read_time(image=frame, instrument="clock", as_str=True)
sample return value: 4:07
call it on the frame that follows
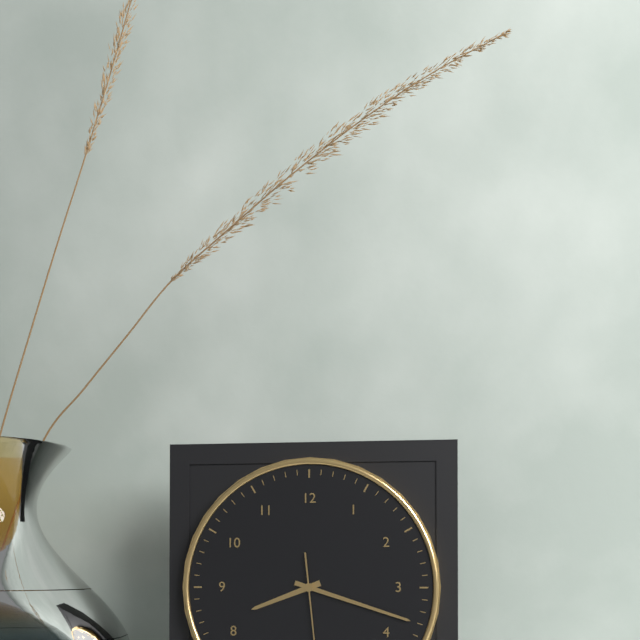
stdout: 8:18
